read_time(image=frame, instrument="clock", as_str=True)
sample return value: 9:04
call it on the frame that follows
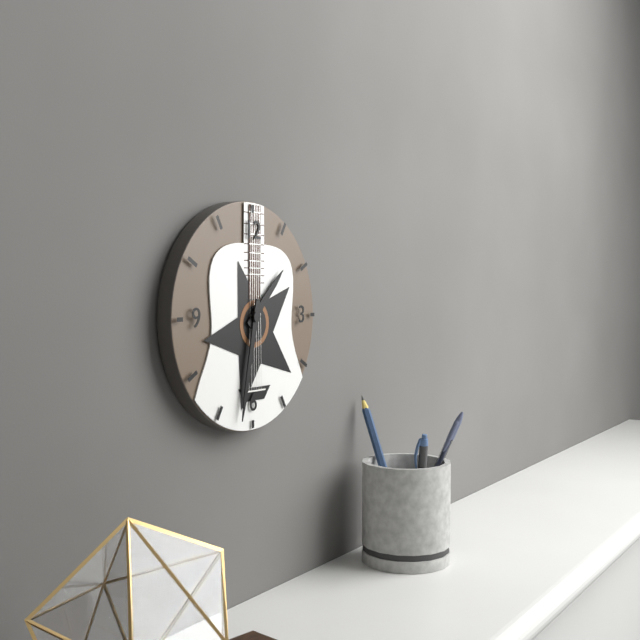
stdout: 1:32
